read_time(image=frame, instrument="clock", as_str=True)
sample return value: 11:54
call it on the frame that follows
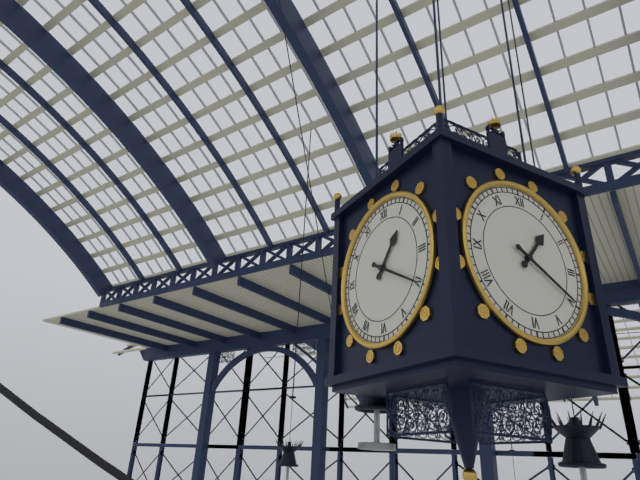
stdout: 1:20
